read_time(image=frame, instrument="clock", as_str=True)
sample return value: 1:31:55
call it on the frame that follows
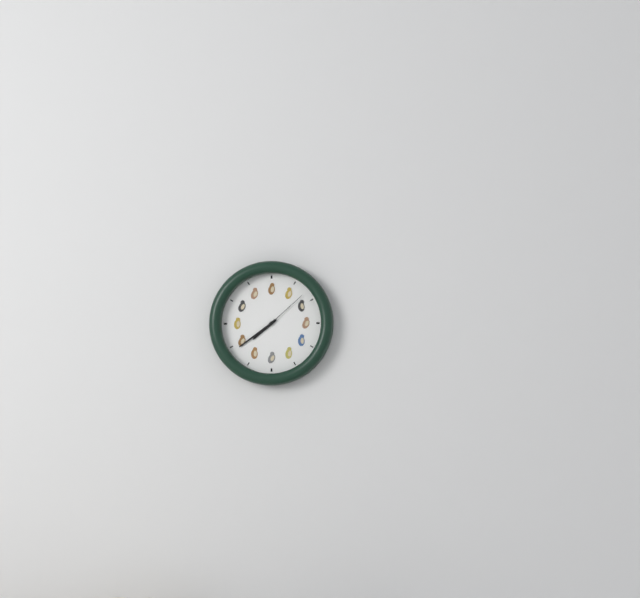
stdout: 7:39:08
